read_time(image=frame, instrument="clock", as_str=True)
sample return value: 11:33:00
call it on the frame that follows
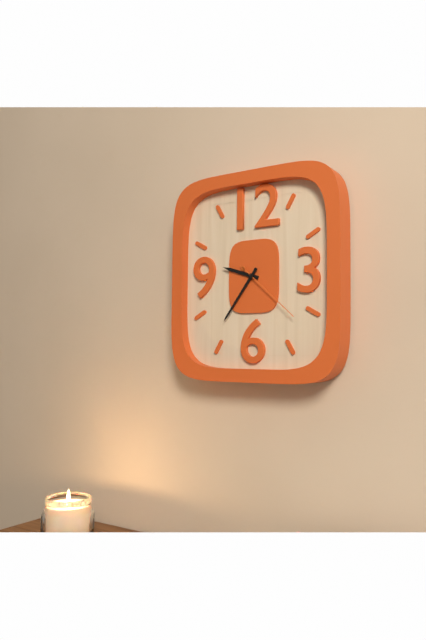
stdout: 9:36:22
